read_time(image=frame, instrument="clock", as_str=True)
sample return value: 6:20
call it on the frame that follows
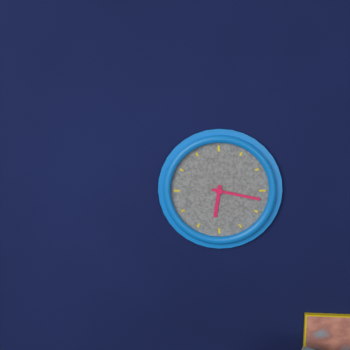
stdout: 6:17
